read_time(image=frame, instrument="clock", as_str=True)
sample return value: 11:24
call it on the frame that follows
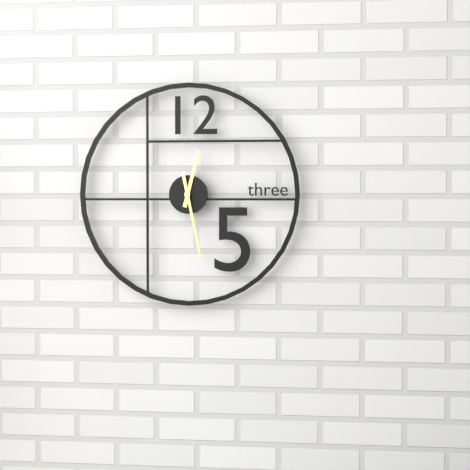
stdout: 12:28
